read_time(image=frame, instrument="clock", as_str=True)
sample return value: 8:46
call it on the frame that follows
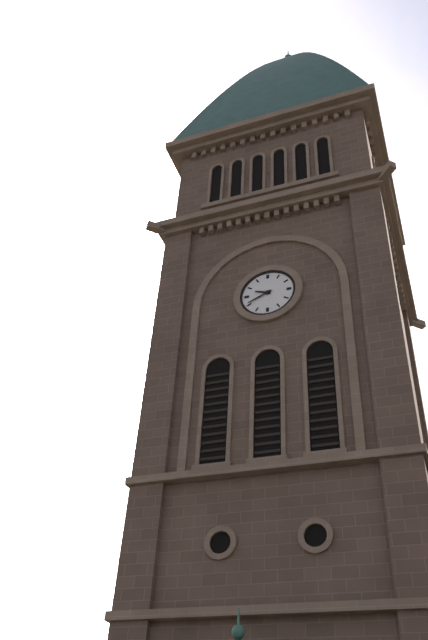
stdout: 9:41
